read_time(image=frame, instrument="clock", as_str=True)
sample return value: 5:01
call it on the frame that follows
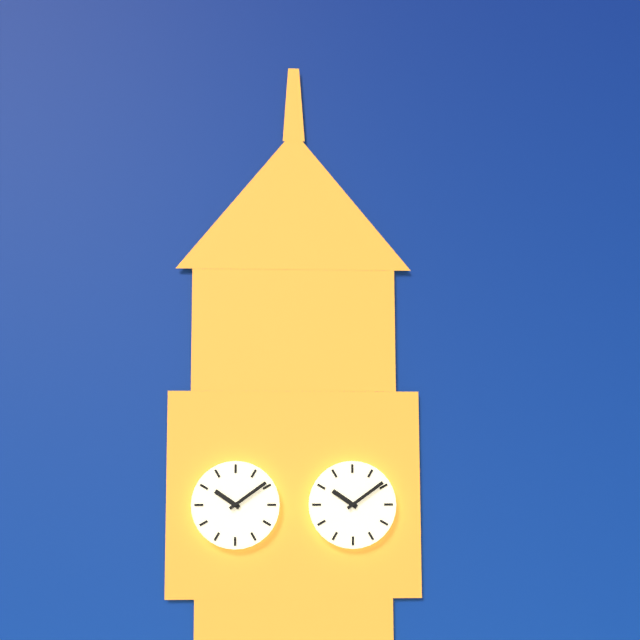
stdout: 10:09
